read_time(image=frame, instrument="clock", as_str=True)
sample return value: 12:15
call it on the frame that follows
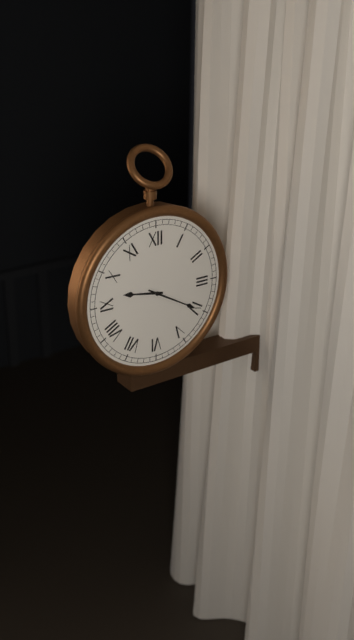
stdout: 9:20
